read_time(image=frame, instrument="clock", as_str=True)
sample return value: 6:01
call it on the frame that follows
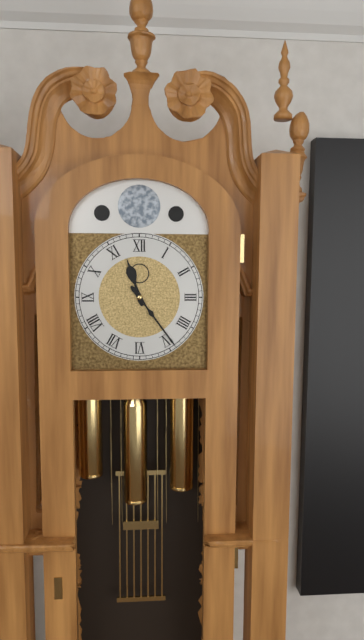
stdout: 11:24
